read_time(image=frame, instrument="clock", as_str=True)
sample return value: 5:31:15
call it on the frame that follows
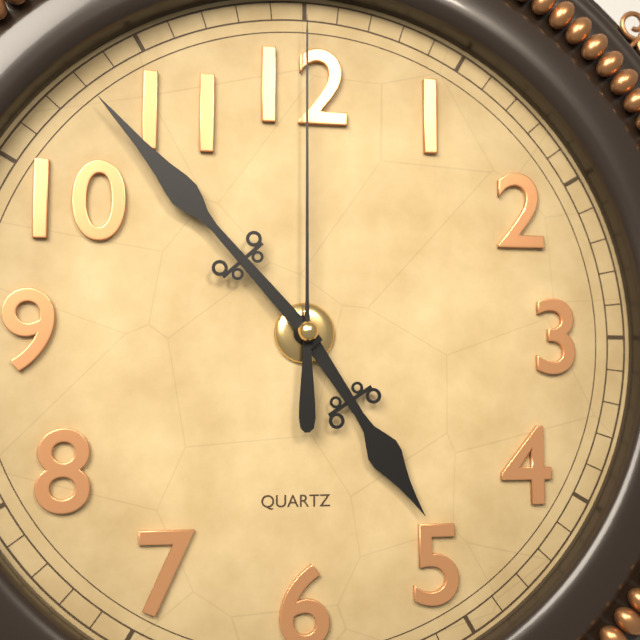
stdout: 4:53:00
